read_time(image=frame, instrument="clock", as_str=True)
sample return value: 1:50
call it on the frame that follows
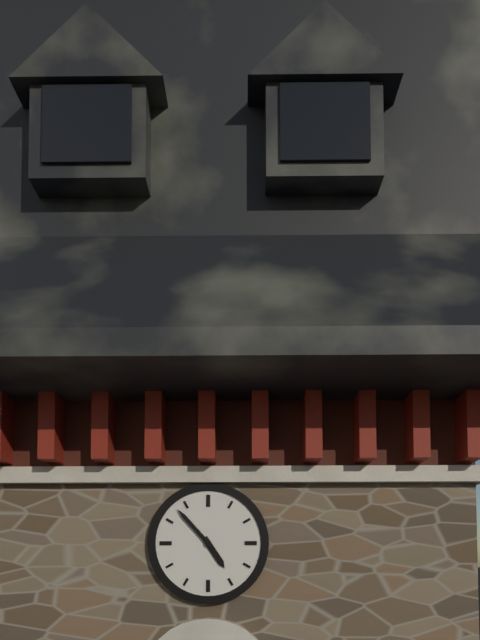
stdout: 4:53
